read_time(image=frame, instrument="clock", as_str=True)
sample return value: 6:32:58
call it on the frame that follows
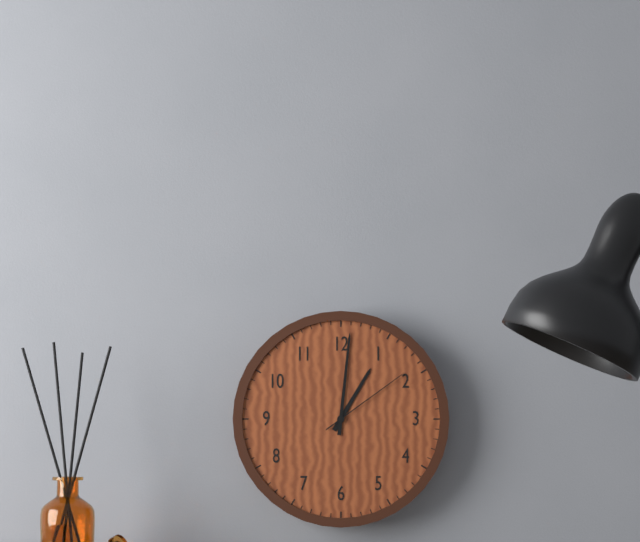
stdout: 1:01:09
